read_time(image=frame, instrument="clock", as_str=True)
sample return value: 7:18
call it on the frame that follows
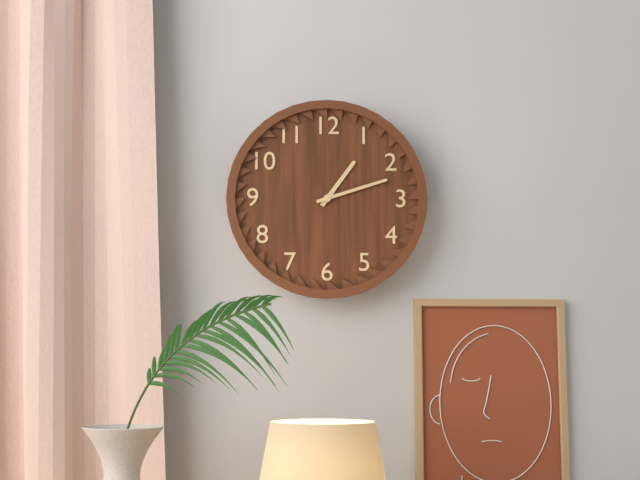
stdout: 1:12
